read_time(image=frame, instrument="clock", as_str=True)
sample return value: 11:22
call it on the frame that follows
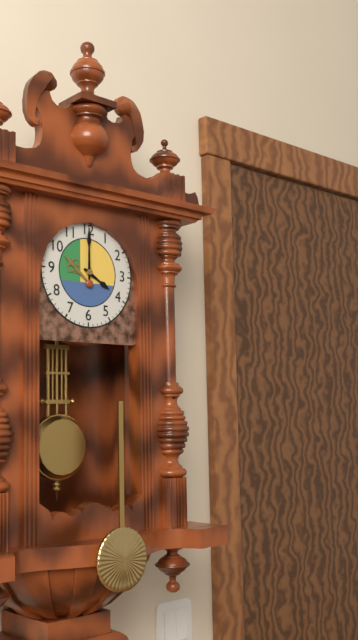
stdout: 4:00
